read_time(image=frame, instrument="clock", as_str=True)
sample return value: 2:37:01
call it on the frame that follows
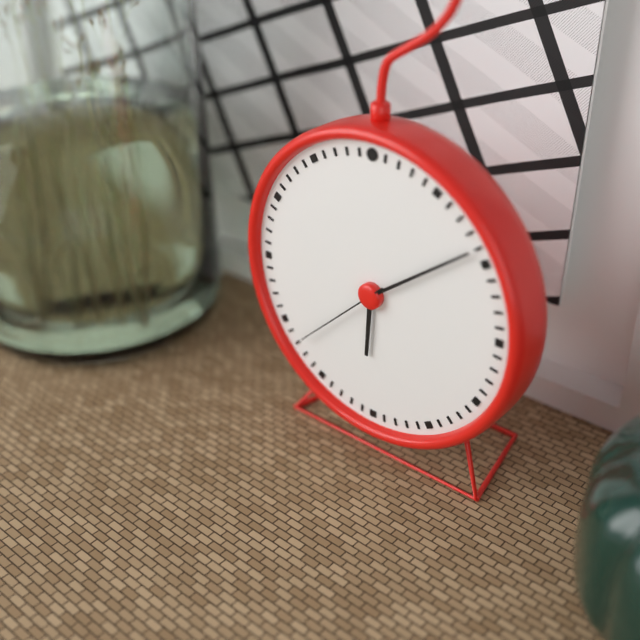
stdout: 6:09:38
